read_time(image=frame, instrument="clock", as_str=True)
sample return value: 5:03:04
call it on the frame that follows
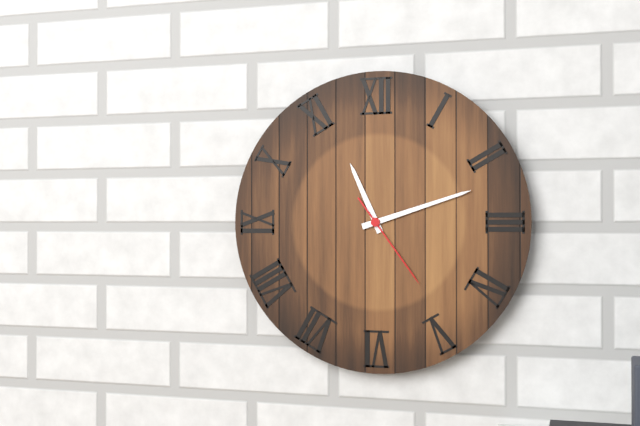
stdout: 11:12:24
